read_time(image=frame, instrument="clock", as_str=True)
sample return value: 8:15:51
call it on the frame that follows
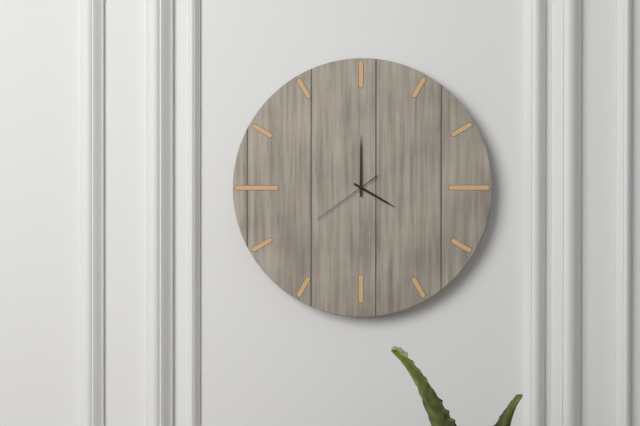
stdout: 4:00:39
